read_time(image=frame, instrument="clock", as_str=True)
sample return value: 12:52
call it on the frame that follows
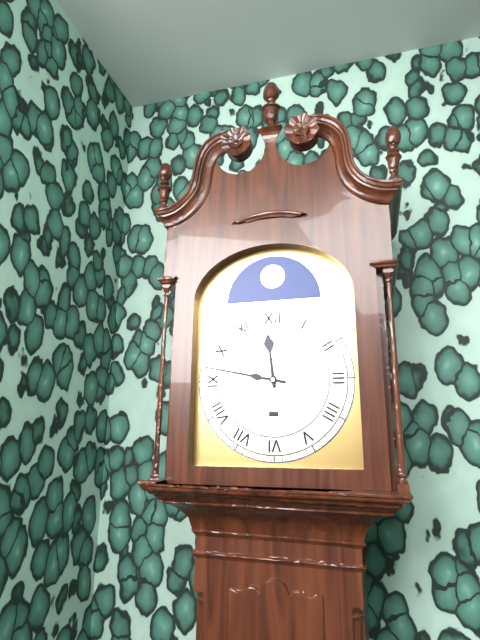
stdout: 11:47
